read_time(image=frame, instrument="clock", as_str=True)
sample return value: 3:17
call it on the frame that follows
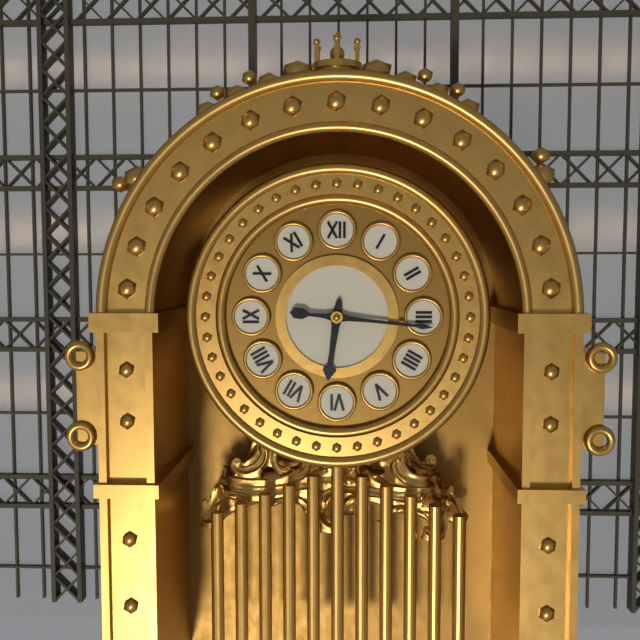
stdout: 6:16
